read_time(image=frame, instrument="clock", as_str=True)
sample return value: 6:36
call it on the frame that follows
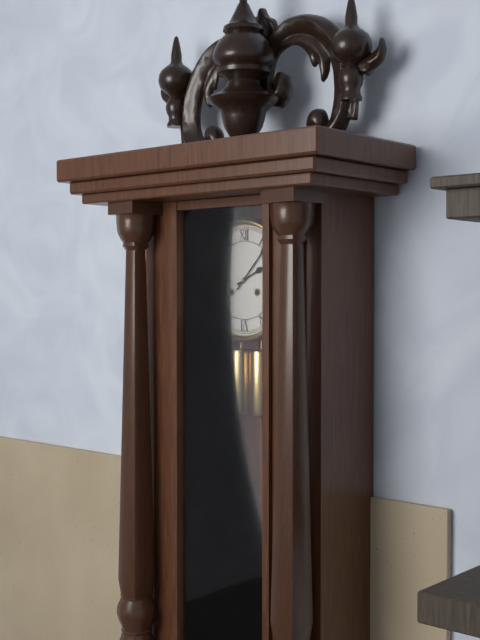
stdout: 2:07
